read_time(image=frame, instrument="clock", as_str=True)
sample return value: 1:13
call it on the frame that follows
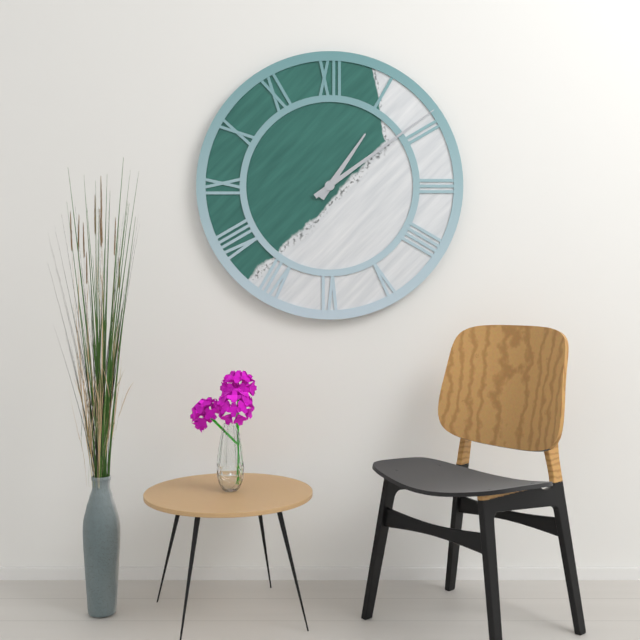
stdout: 1:09
